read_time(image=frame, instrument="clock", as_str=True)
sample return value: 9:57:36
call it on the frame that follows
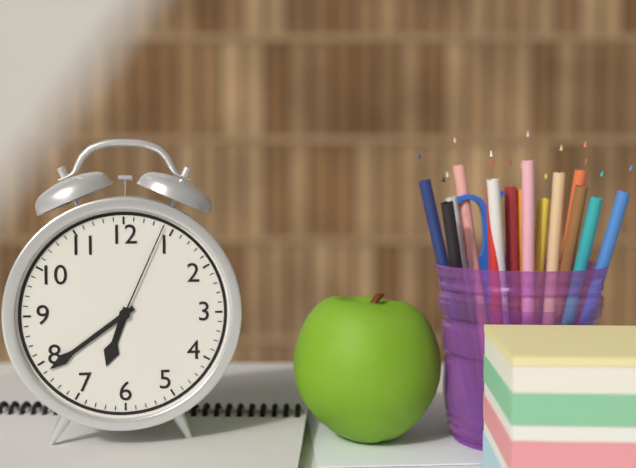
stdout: 6:39:04
